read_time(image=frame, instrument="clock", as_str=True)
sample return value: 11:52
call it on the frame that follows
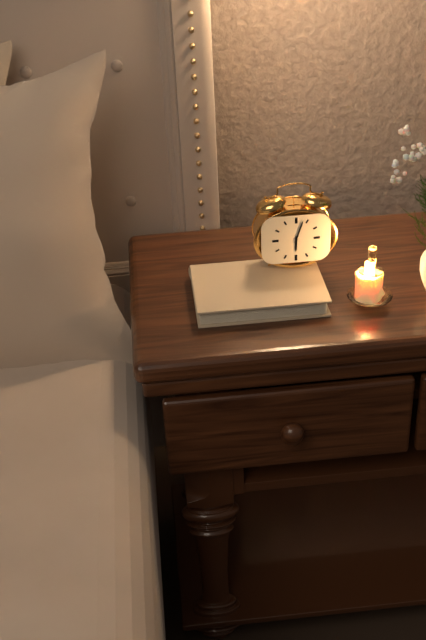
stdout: 6:03
